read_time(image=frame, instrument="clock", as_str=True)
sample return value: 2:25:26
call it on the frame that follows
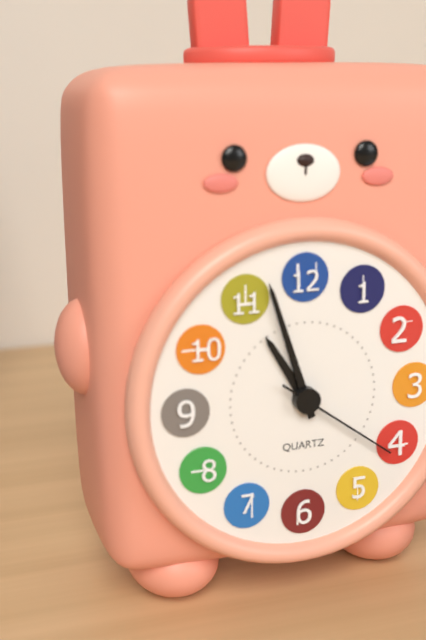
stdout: 10:57:21
